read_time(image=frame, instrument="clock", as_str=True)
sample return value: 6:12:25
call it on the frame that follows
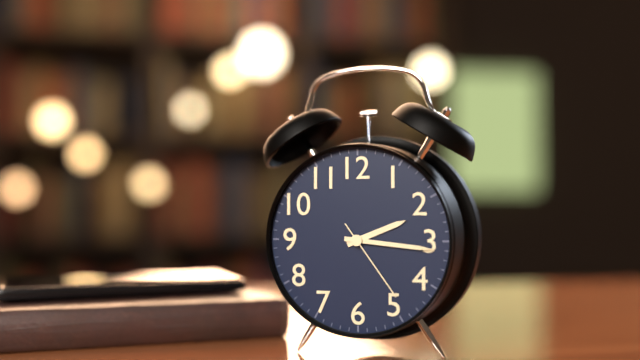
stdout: 2:16:24
